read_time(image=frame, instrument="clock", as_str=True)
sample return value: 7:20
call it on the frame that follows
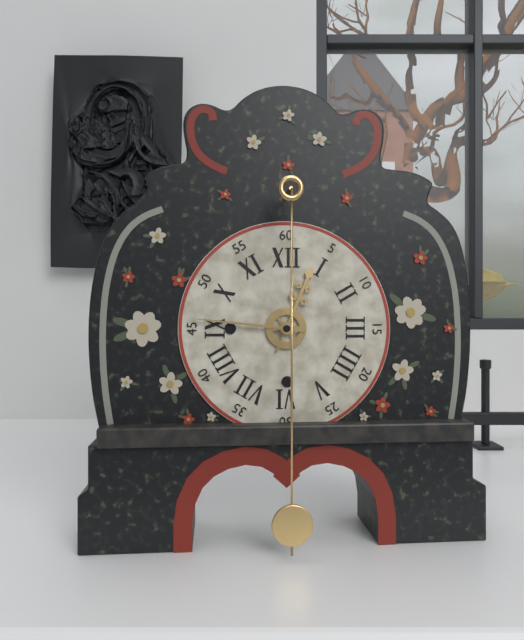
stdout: 12:46
